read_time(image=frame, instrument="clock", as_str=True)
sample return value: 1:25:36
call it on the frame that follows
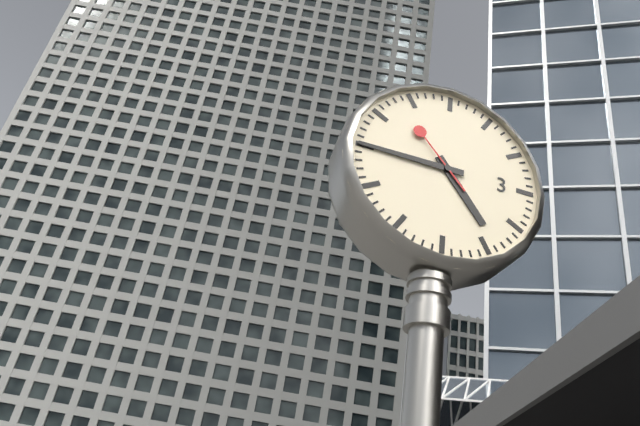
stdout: 4:45:53
